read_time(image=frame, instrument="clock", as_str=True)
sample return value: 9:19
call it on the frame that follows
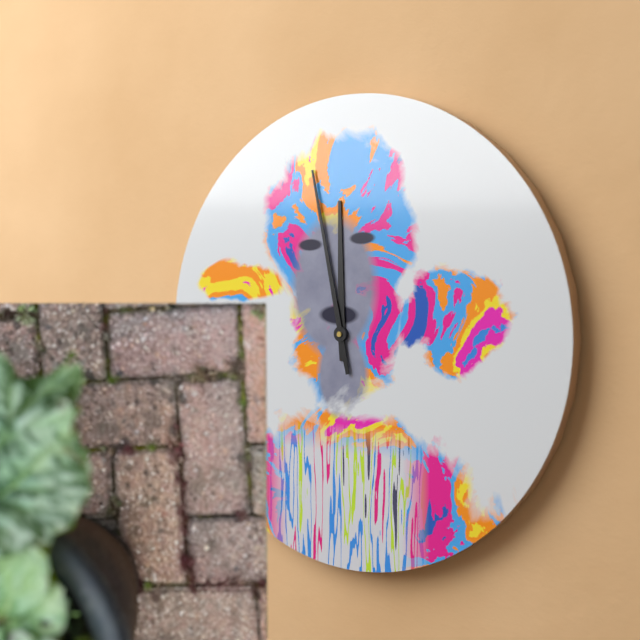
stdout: 11:58
